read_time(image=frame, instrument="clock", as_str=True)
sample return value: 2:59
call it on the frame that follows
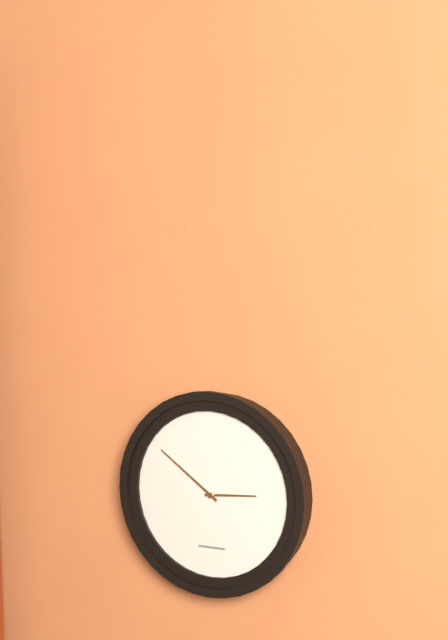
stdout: 2:51
